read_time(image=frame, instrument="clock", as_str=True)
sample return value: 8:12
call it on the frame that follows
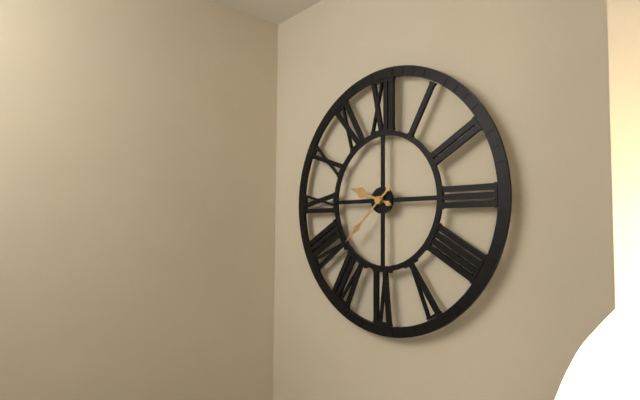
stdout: 9:38
